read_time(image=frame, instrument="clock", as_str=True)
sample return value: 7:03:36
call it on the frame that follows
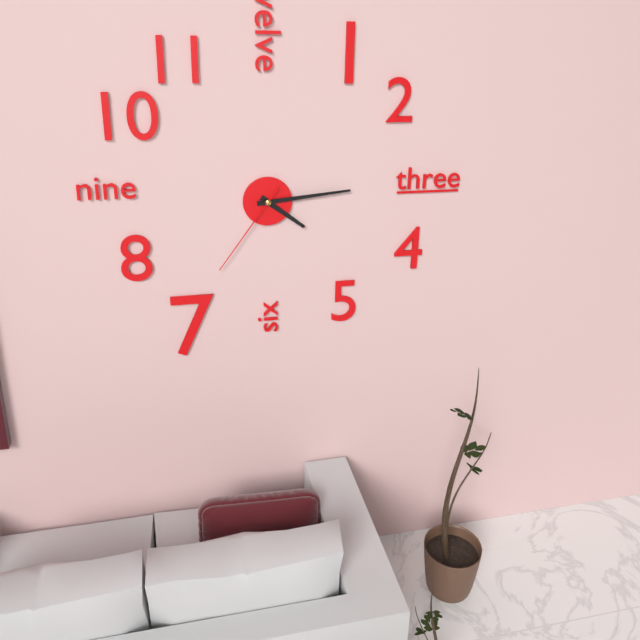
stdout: 4:14:36
